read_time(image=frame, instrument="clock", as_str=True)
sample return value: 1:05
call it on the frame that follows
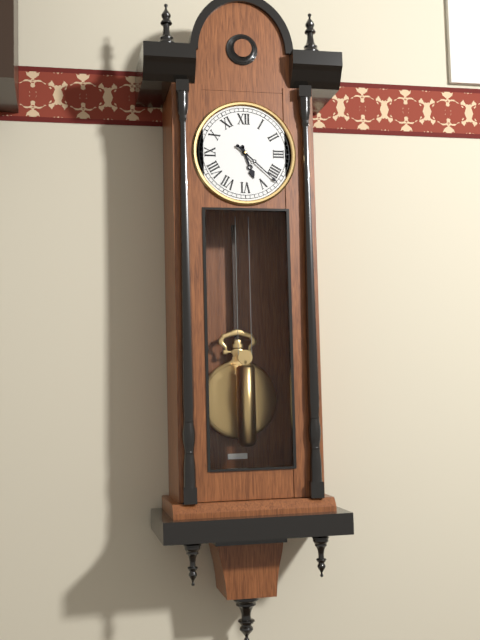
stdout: 5:22
